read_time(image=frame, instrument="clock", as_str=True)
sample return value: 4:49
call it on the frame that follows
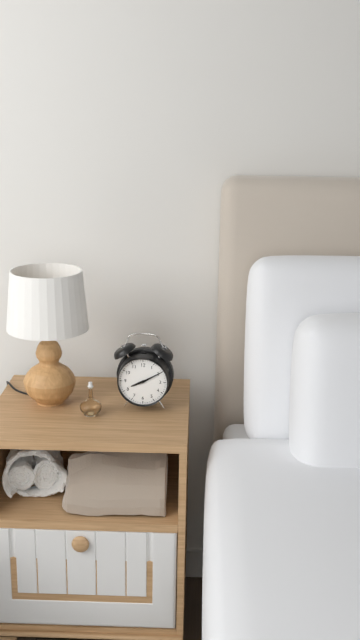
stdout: 8:10
